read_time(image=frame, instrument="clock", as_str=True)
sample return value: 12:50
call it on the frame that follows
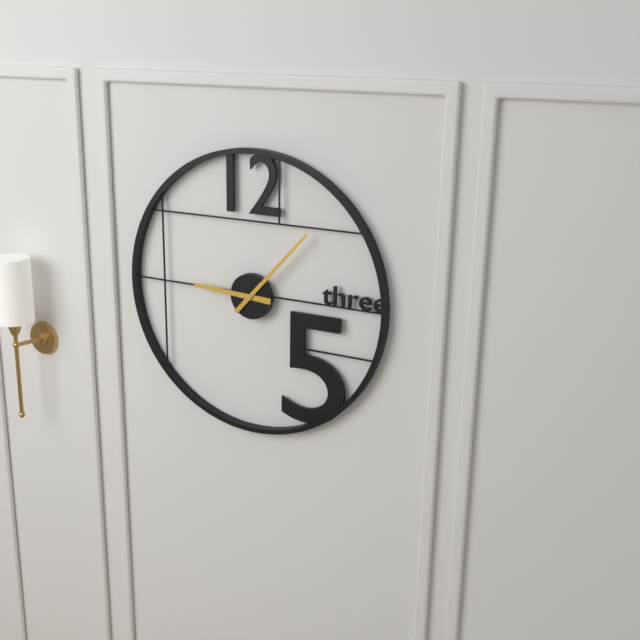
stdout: 9:07
